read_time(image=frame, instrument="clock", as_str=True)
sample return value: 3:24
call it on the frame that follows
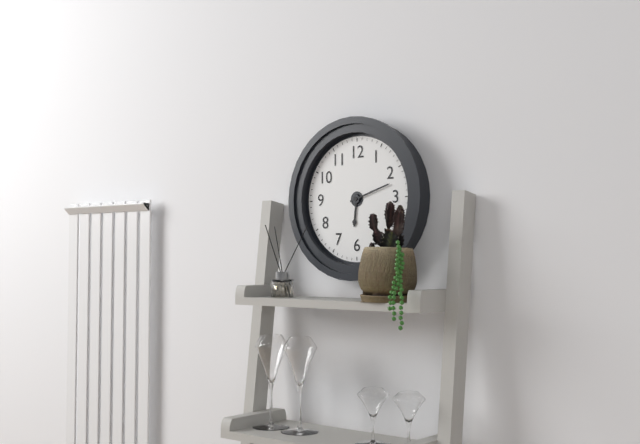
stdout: 6:12
